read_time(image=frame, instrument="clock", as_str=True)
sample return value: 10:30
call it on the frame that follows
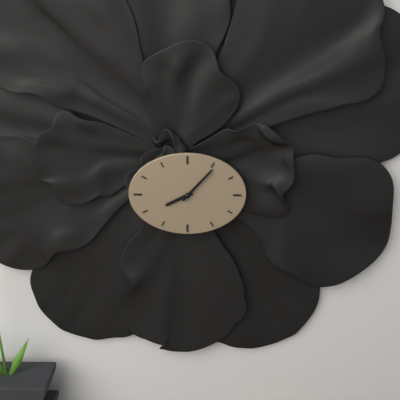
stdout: 8:07
